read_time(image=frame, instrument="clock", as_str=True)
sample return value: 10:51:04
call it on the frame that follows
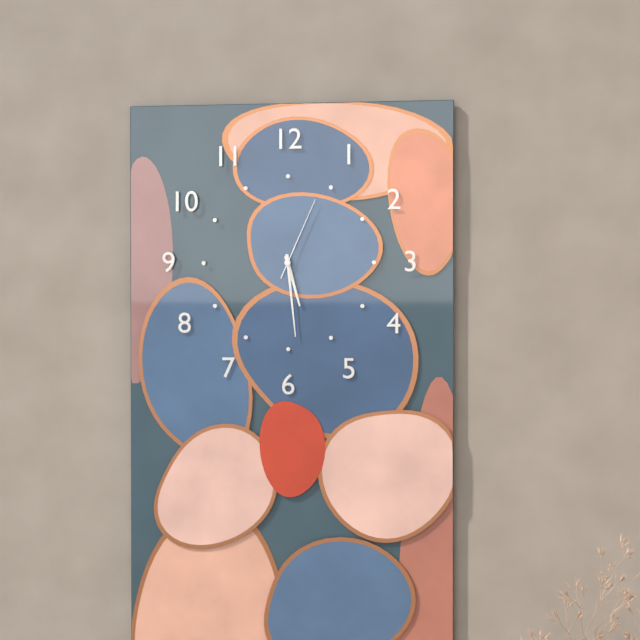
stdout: 5:29:04
